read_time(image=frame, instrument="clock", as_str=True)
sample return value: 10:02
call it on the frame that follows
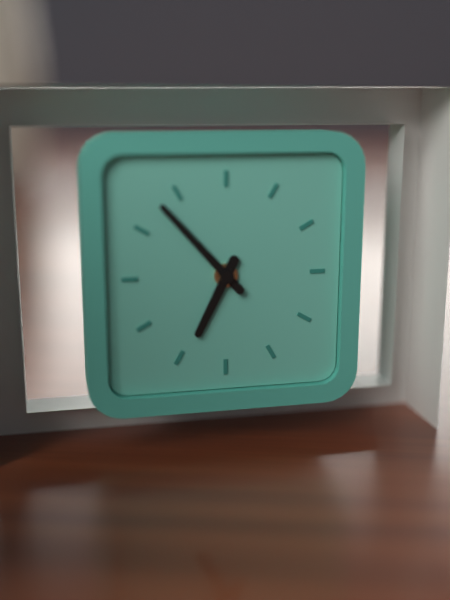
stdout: 6:53
